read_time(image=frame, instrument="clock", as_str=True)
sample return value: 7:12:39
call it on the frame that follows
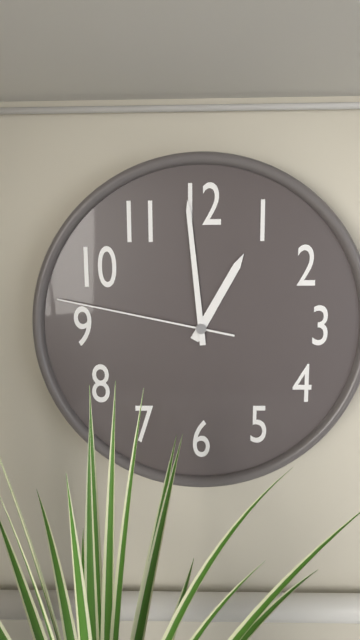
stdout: 12:59:47
